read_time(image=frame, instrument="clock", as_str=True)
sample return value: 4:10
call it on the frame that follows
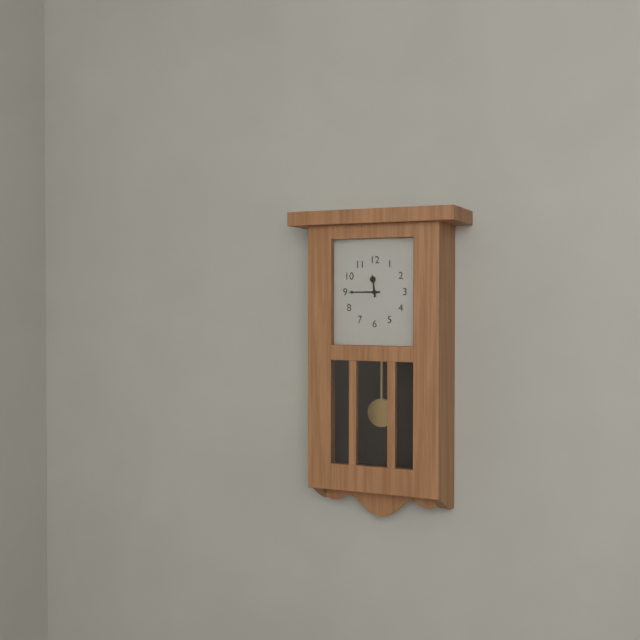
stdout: 11:45
